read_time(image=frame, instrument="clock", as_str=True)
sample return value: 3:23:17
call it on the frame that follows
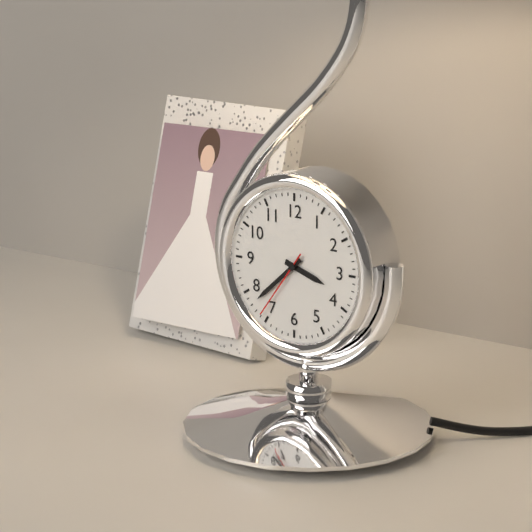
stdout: 3:38:36
